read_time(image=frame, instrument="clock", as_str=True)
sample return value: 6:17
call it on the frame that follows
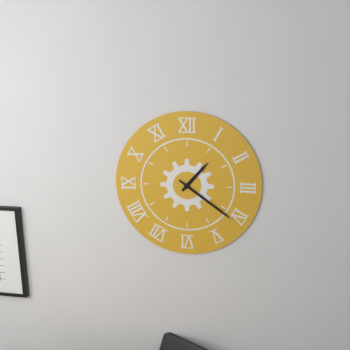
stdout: 1:21
